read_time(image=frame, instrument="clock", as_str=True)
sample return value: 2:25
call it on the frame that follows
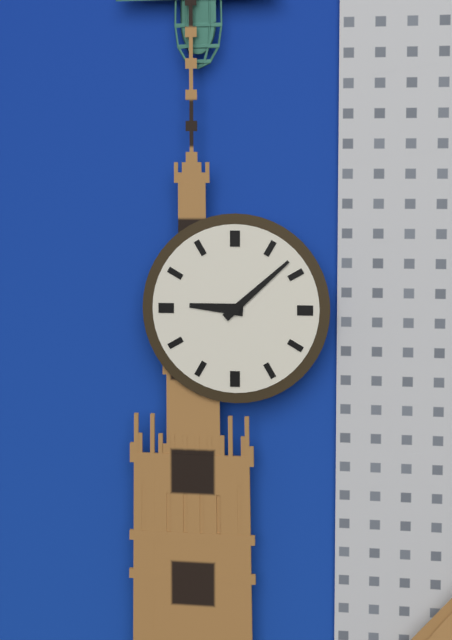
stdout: 9:08
